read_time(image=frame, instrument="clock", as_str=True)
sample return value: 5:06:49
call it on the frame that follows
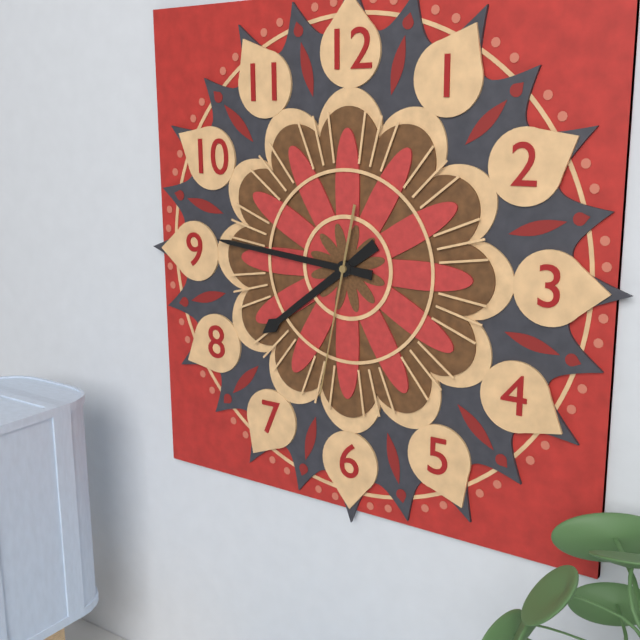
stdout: 7:46:32
